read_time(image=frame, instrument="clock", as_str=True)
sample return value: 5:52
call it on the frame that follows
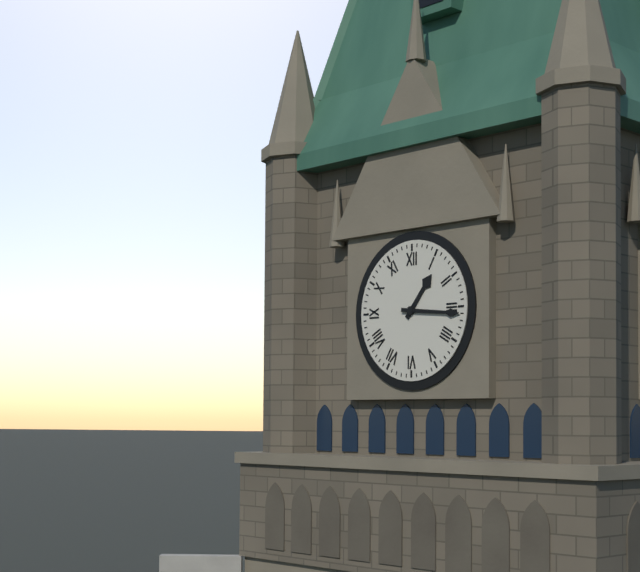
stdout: 1:16
